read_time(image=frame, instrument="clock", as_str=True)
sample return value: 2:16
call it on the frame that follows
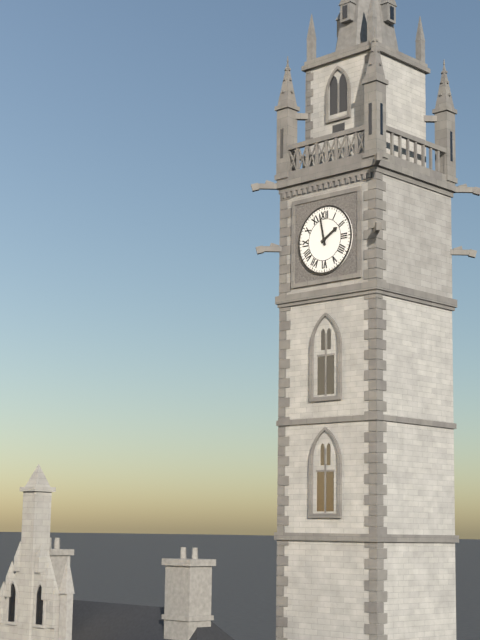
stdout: 1:58
